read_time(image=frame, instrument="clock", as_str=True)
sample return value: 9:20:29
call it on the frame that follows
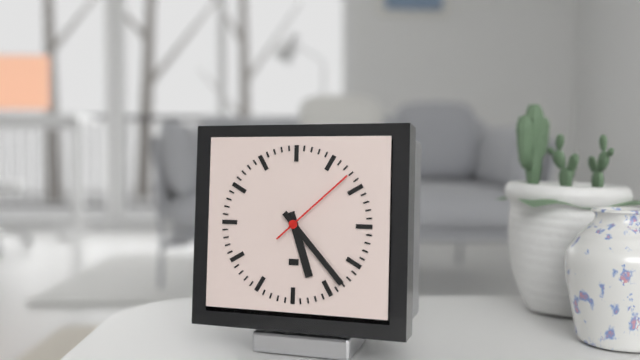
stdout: 5:23:08
